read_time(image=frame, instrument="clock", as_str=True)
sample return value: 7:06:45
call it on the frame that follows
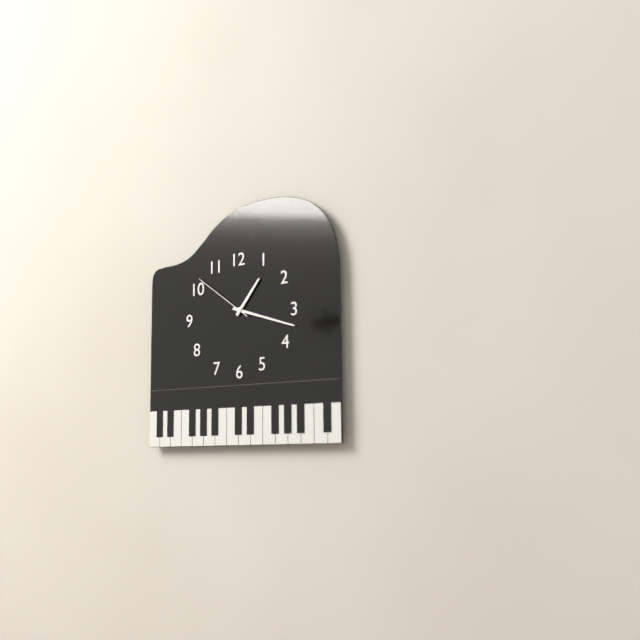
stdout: 1:18:51
